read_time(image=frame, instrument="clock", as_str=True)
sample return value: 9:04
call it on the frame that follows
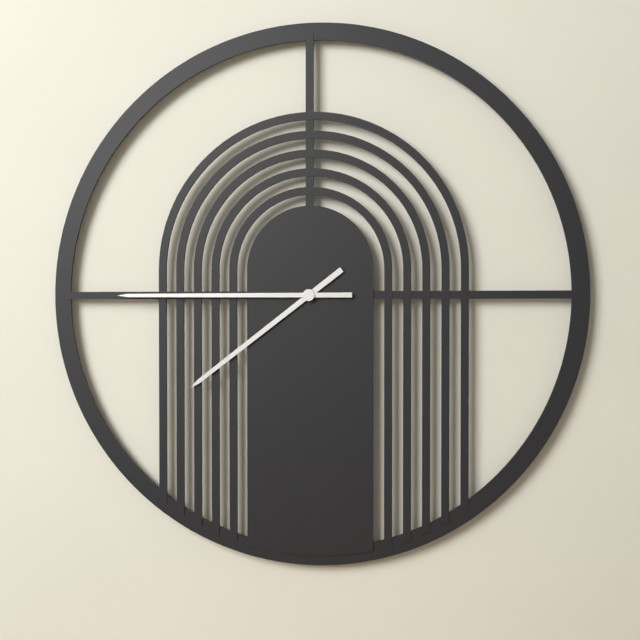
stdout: 7:45
